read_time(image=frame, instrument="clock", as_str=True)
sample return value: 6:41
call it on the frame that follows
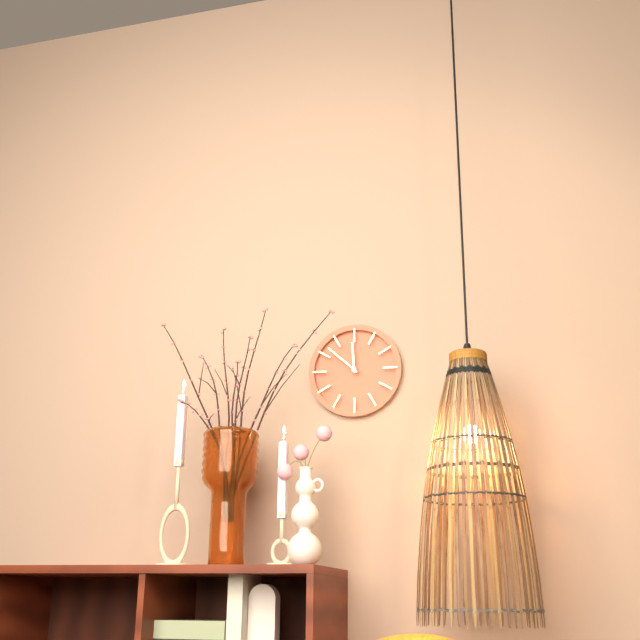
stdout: 11:52
